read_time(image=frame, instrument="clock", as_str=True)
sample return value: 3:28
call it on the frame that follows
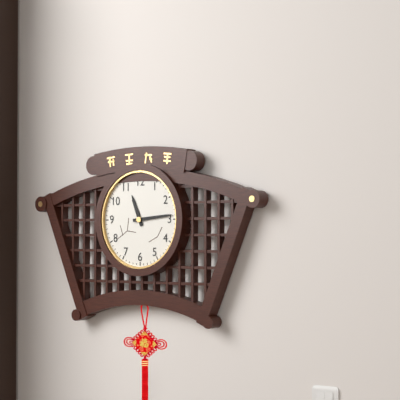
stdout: 11:14
